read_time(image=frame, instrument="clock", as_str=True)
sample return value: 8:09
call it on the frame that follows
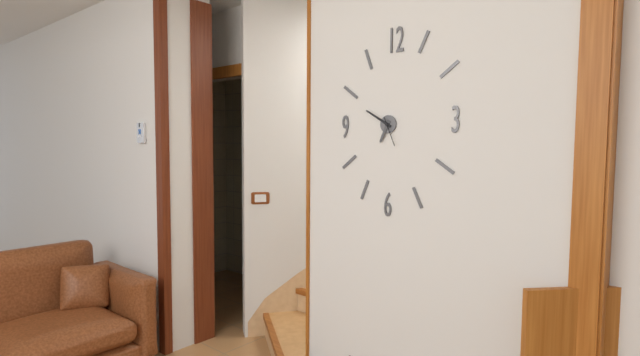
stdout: 6:50
